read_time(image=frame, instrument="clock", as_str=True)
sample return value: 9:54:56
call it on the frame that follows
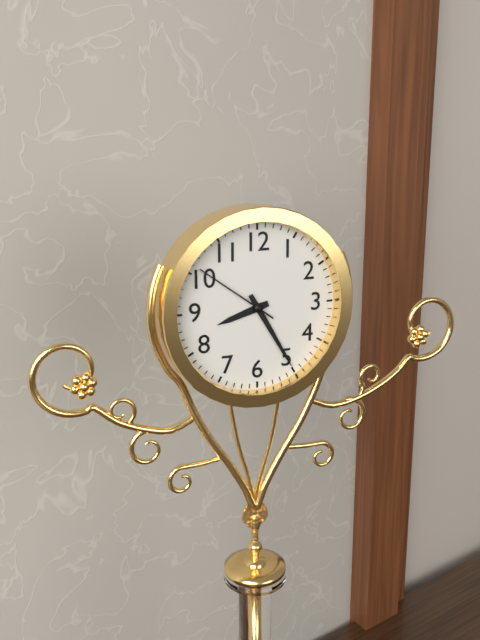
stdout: 8:25:51
